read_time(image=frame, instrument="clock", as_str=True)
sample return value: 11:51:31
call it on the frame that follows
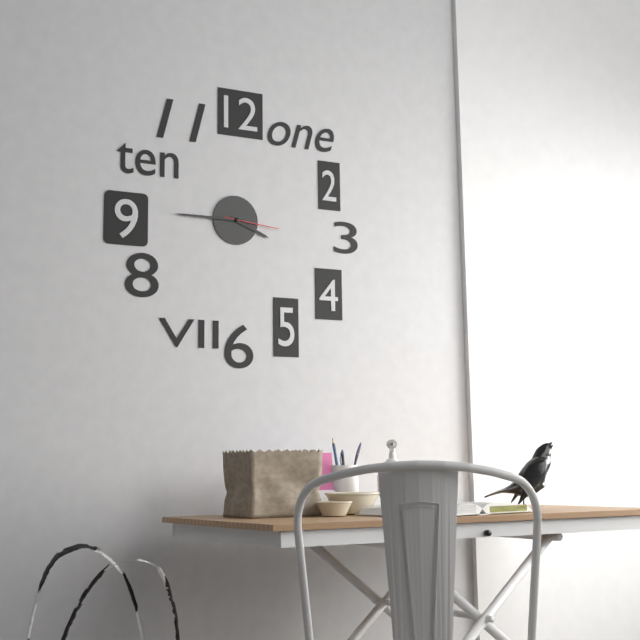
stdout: 3:45:16
